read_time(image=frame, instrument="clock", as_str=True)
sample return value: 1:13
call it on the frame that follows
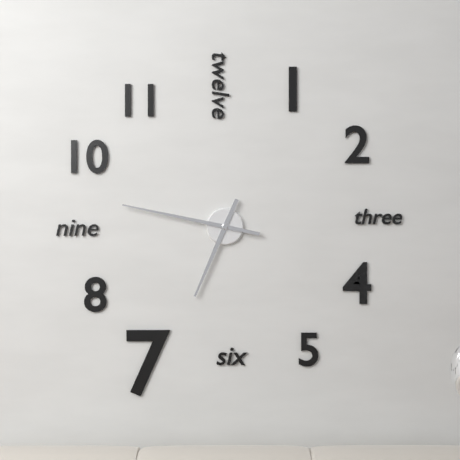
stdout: 6:47
